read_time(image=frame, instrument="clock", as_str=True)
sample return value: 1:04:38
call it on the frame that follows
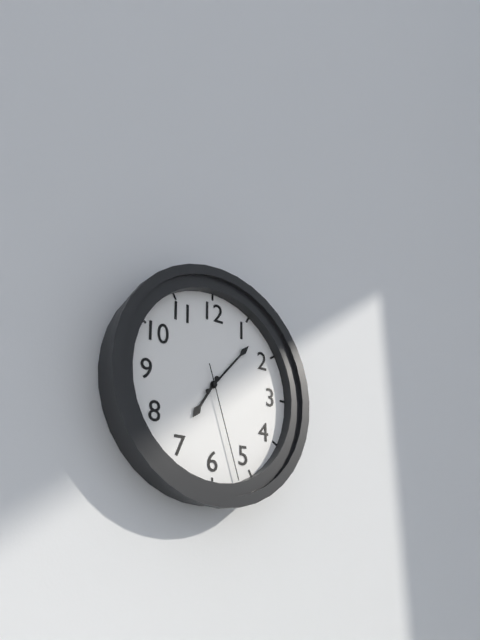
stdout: 7:07:27
